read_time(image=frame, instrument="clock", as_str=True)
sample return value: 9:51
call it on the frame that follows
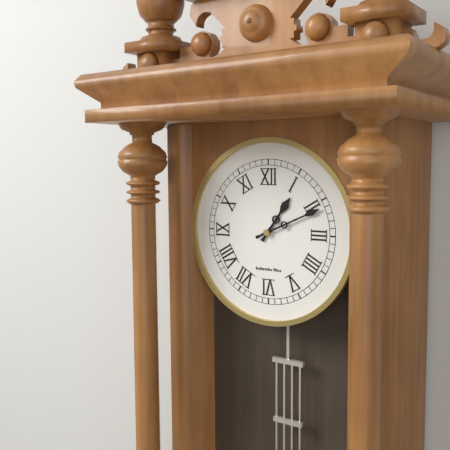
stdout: 1:11
